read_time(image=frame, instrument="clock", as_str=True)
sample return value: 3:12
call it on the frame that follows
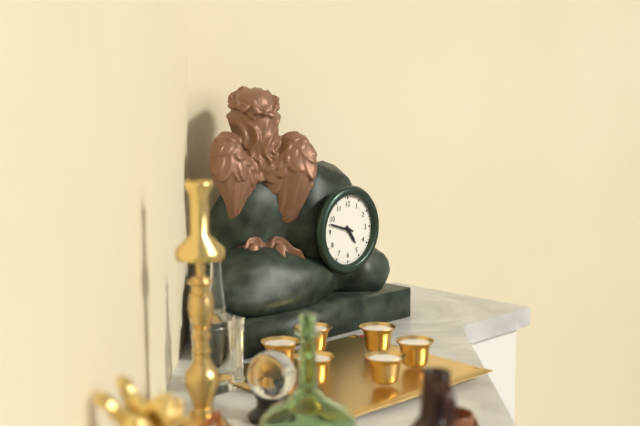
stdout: 4:48
